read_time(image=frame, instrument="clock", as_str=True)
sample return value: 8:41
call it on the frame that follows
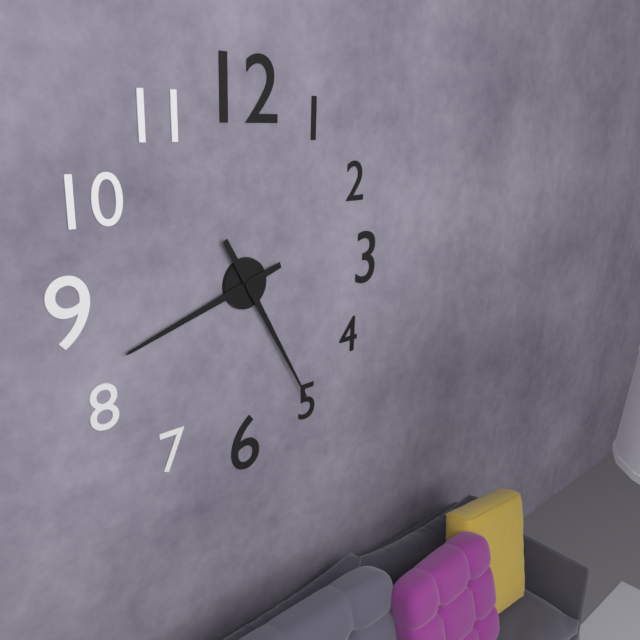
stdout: 8:25
